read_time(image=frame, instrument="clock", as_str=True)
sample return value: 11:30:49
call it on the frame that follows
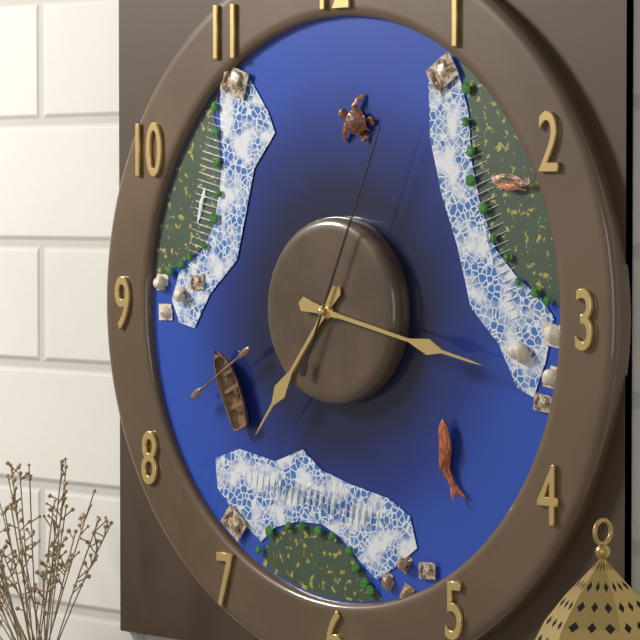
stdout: 7:17:04
